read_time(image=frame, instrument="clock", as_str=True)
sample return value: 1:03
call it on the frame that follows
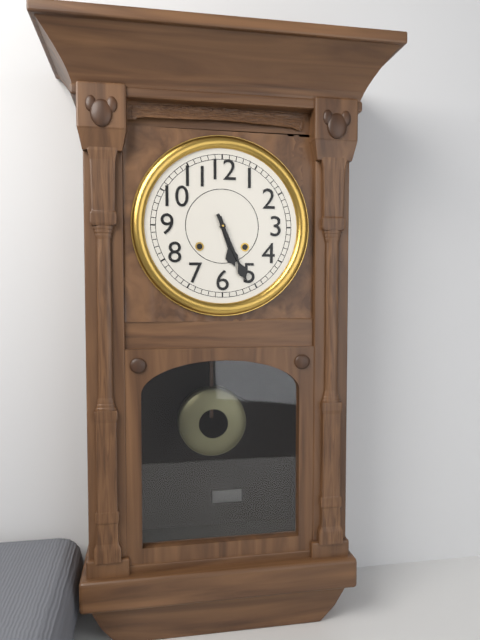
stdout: 5:26
